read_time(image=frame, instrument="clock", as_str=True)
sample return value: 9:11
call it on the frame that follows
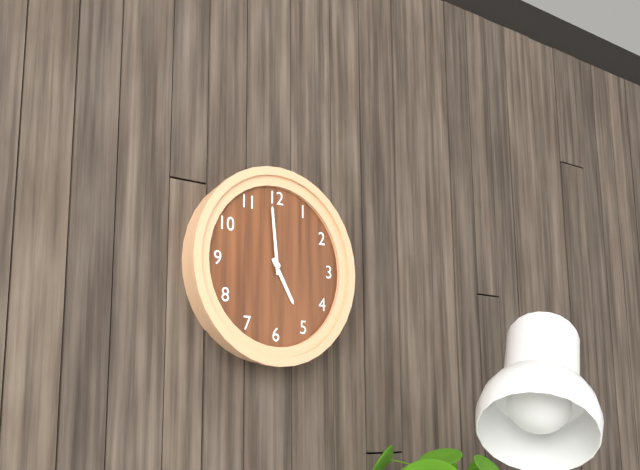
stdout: 4:59
